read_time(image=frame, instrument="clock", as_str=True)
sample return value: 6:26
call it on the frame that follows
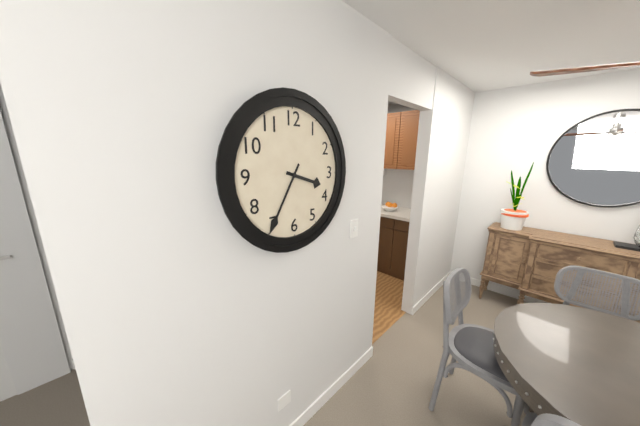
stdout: 3:35
